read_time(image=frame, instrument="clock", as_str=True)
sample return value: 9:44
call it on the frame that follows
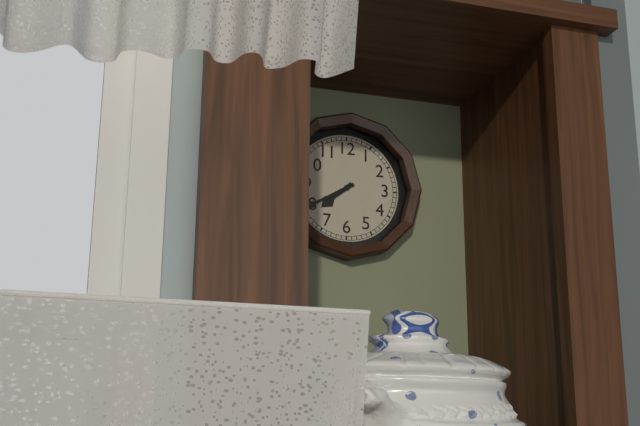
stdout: 7:40
